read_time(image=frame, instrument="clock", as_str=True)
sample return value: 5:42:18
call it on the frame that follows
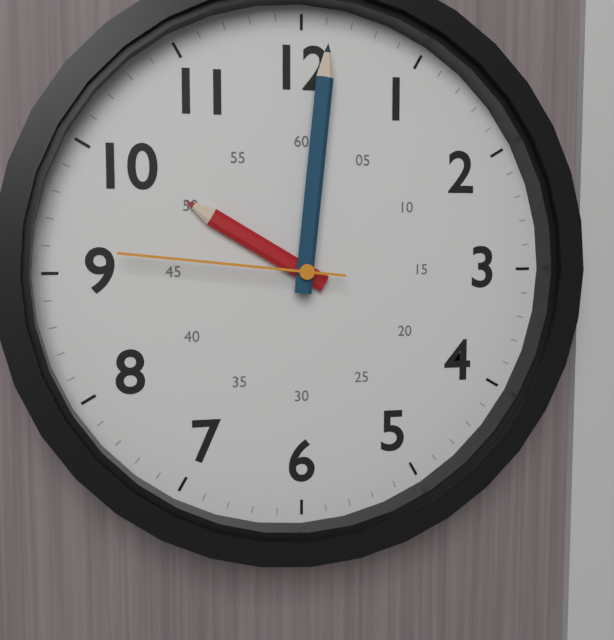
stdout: 10:01:46
